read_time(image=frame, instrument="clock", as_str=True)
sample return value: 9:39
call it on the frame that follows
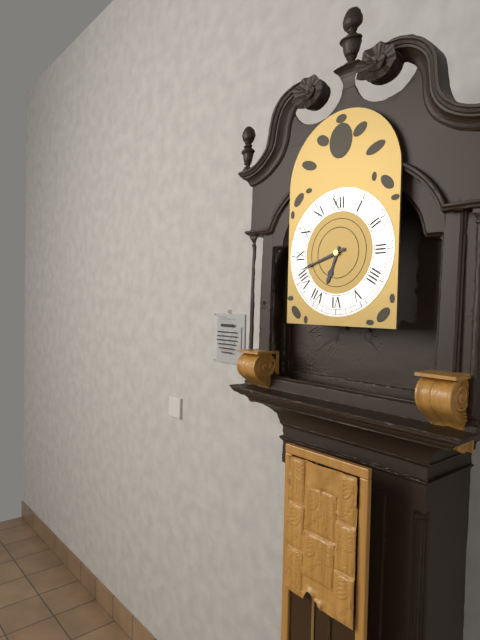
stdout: 6:42
